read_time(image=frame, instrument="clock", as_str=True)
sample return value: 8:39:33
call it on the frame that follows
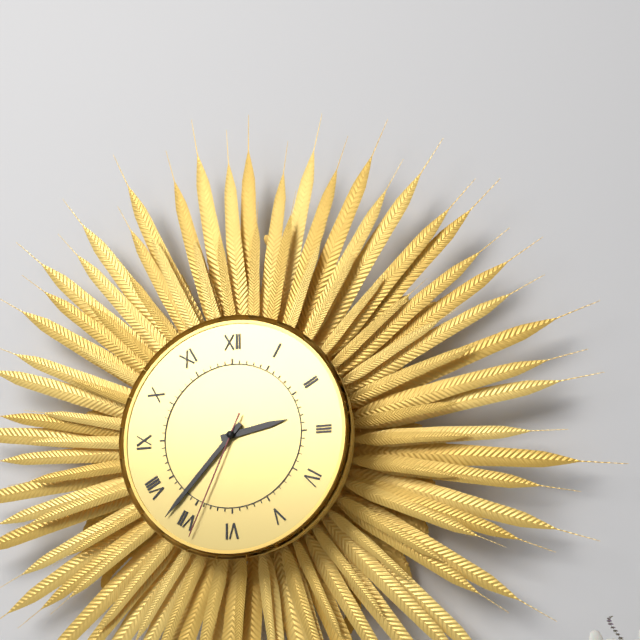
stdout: 2:37:34
